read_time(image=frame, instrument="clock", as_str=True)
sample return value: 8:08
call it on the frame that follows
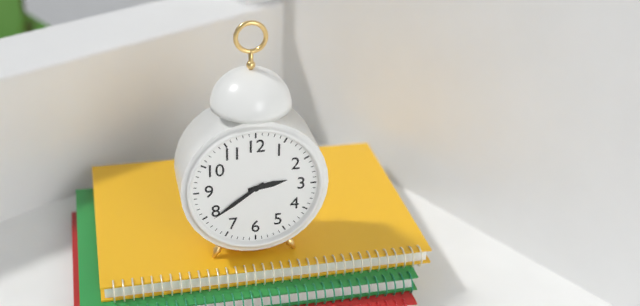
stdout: 2:39
